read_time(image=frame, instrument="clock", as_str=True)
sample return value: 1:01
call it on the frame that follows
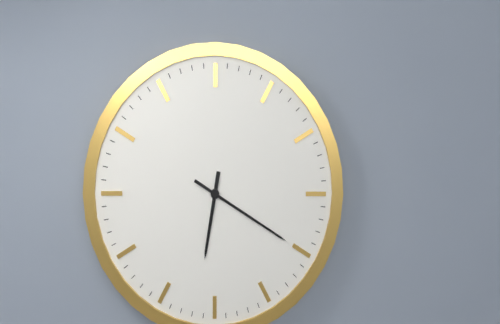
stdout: 6:20
